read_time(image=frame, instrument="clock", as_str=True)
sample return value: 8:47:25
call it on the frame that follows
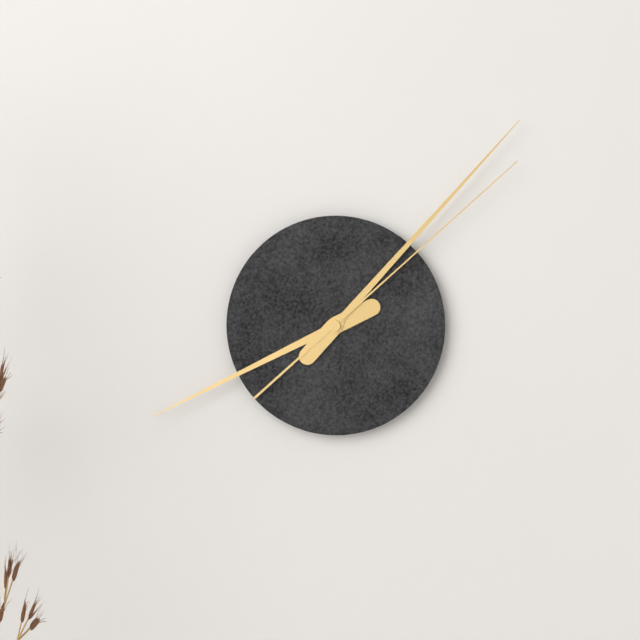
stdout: 8:07:08
